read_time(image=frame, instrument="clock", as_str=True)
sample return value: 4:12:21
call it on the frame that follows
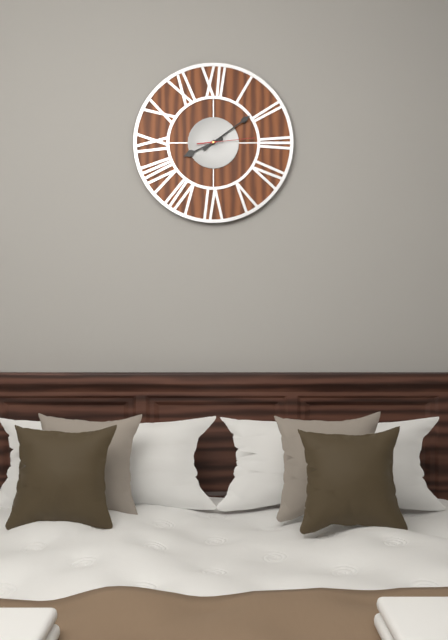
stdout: 8:09:14
